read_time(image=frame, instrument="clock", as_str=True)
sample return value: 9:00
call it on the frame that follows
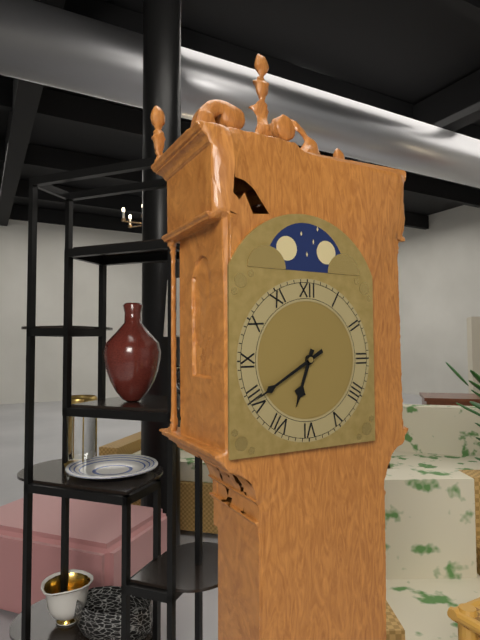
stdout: 6:40
